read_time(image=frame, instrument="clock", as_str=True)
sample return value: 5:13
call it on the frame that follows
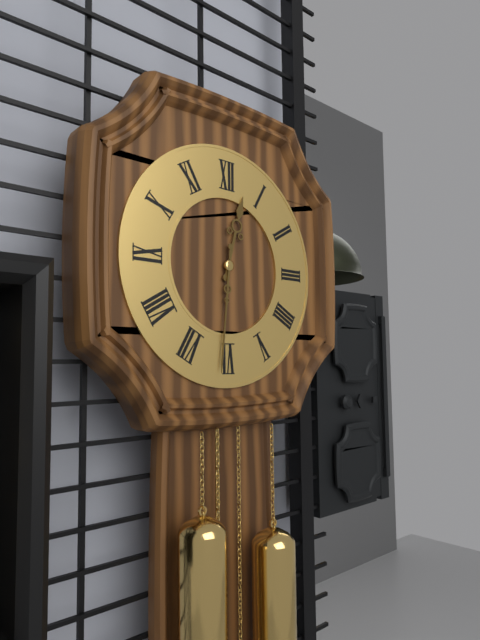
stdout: 12:31
